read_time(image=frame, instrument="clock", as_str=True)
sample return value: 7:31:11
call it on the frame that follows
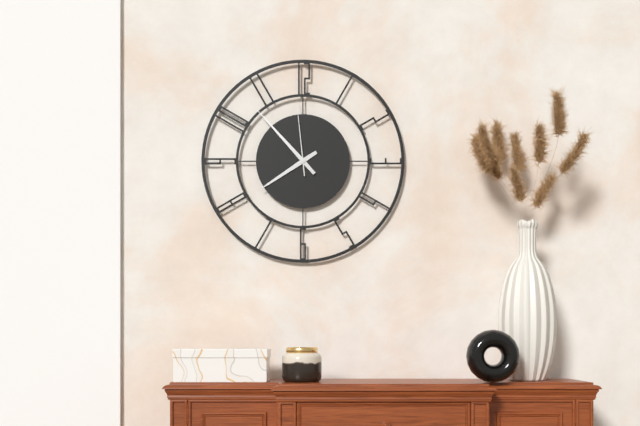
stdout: 7:53:59
